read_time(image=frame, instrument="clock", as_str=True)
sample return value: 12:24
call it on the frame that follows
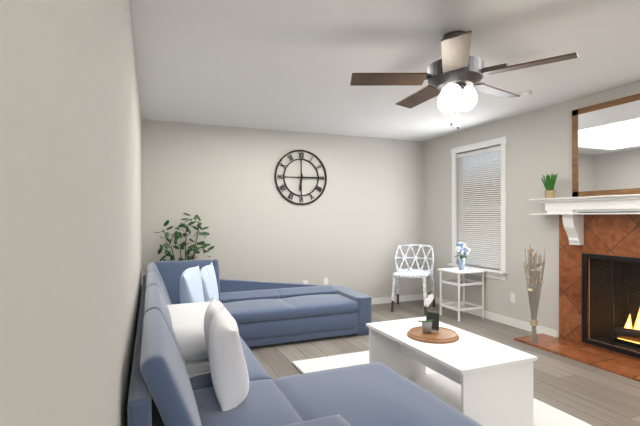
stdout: 6:15
